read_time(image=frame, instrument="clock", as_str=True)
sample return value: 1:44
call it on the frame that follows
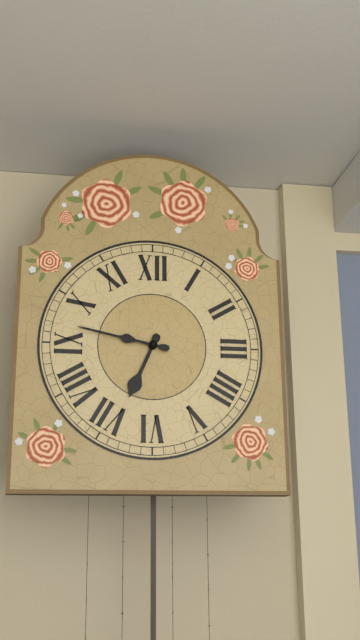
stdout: 6:47
